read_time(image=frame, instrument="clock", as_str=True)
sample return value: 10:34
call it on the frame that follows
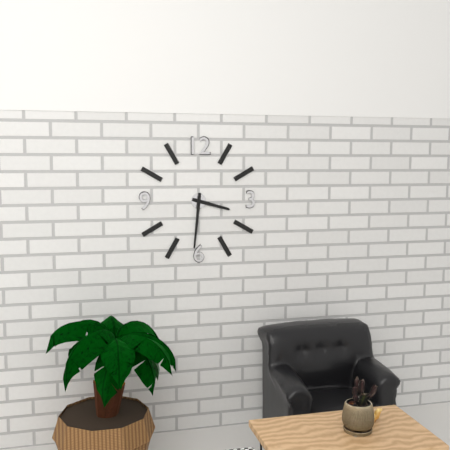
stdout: 3:31
